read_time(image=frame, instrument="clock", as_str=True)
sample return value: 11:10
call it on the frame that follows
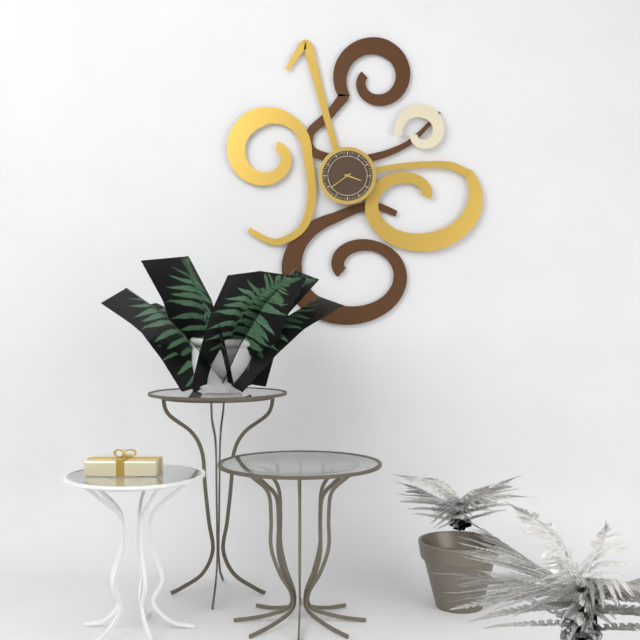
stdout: 3:39
